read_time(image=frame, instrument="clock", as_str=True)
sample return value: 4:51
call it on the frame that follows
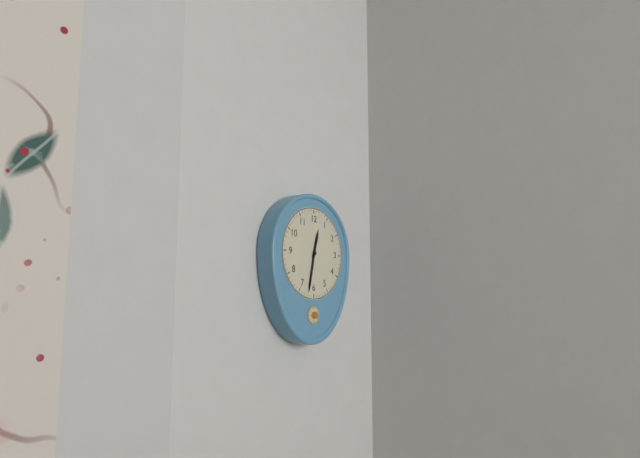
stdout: 12:32
